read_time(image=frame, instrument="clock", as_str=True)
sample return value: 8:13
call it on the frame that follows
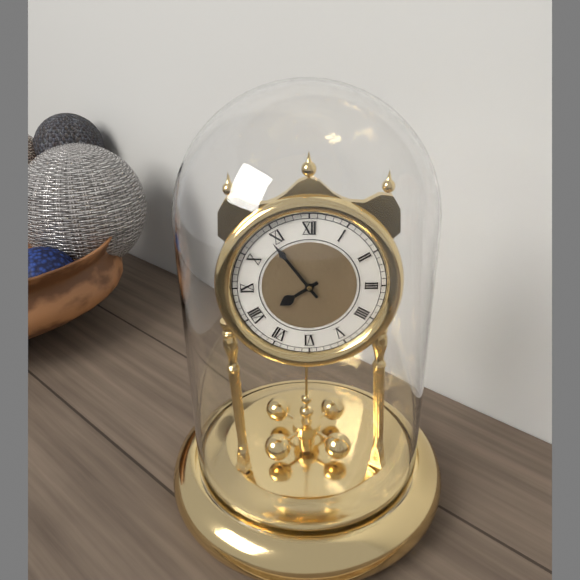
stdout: 7:54
